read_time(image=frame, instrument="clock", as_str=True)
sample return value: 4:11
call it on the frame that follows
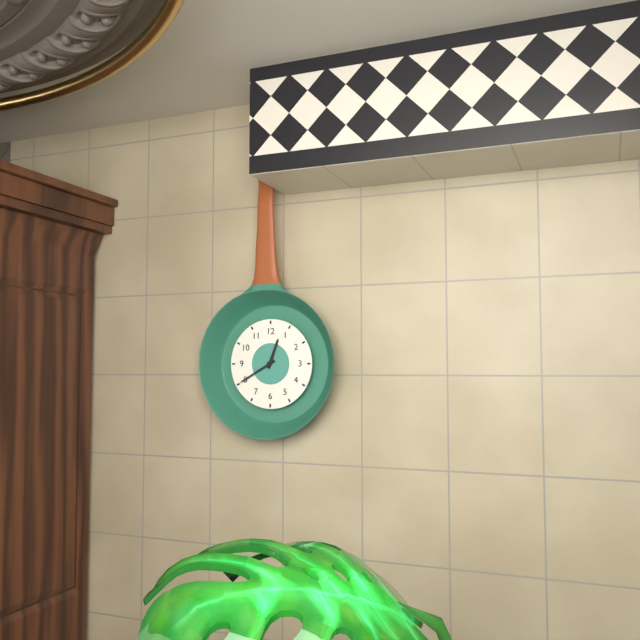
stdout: 12:40
